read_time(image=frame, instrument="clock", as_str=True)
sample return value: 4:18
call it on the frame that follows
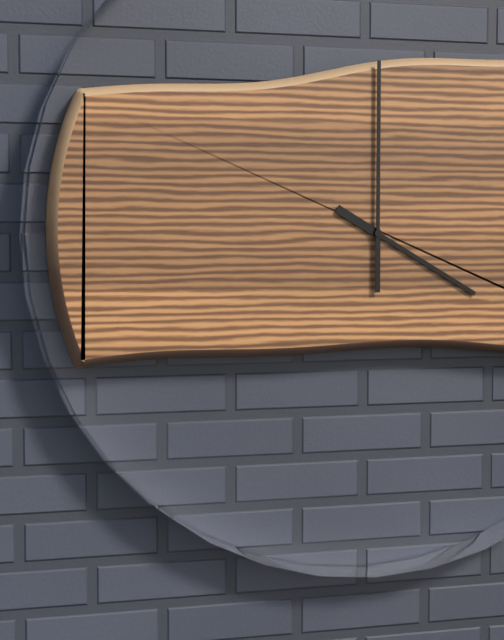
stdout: 4:00
